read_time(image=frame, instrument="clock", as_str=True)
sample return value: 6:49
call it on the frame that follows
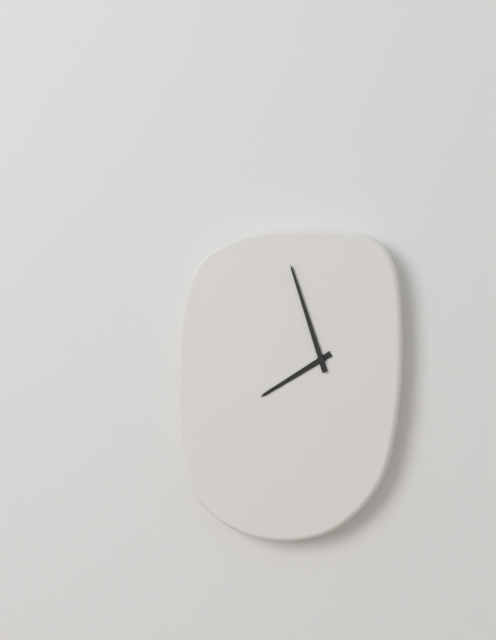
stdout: 7:57
